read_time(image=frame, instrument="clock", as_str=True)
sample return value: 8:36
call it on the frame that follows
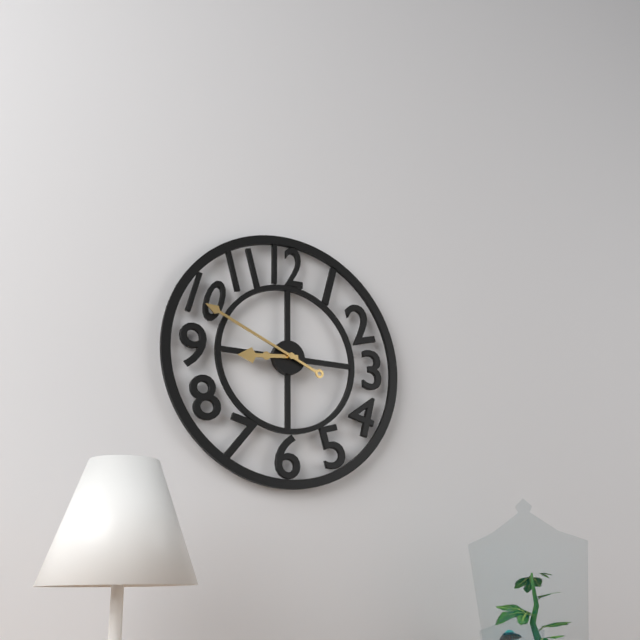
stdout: 8:49
